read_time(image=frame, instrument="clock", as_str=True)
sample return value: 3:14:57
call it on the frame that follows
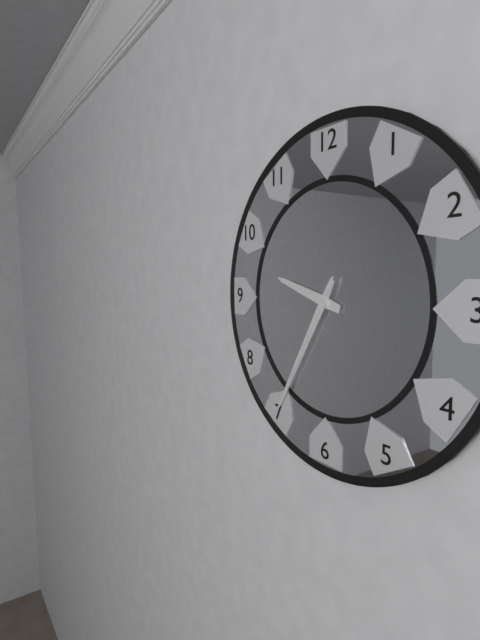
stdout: 9:35:35
